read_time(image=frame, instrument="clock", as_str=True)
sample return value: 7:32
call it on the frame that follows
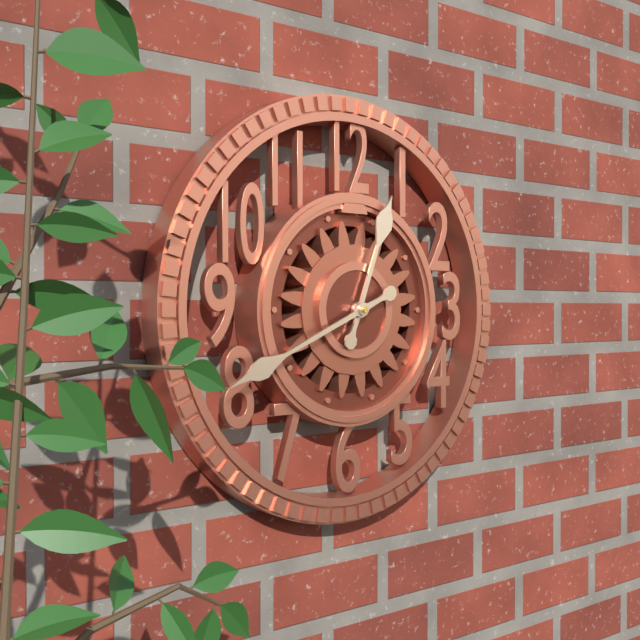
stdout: 12:41
